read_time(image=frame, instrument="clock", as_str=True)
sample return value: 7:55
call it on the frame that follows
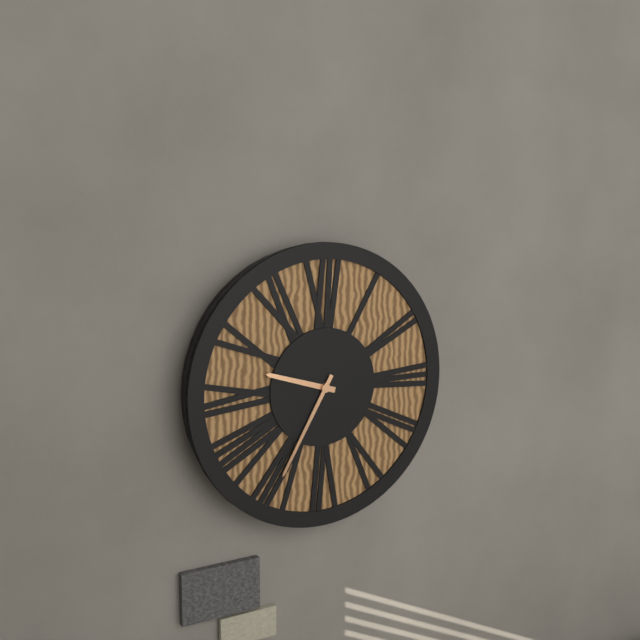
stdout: 9:35
